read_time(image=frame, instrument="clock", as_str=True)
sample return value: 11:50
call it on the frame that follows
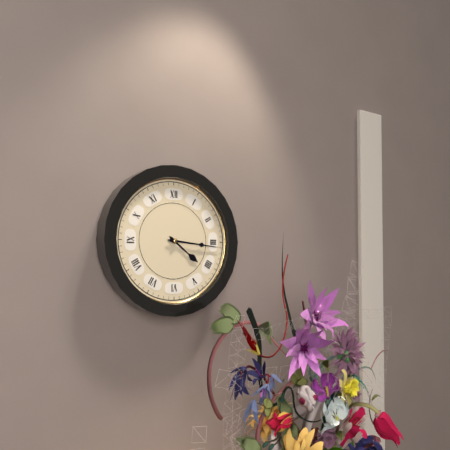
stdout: 4:16
